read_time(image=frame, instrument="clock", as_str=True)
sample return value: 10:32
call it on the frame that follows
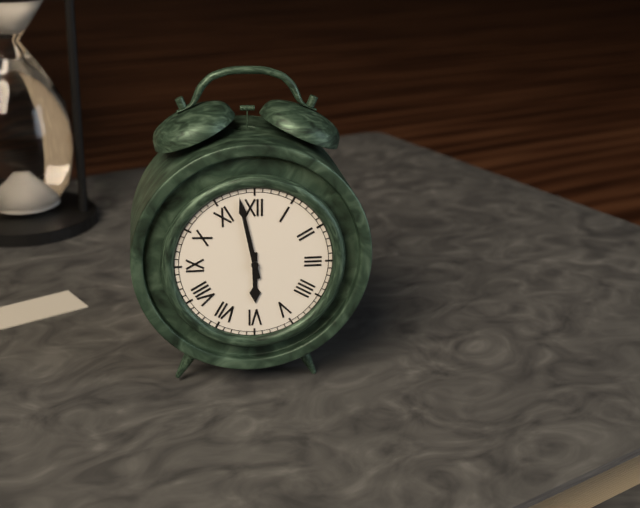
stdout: 5:58
